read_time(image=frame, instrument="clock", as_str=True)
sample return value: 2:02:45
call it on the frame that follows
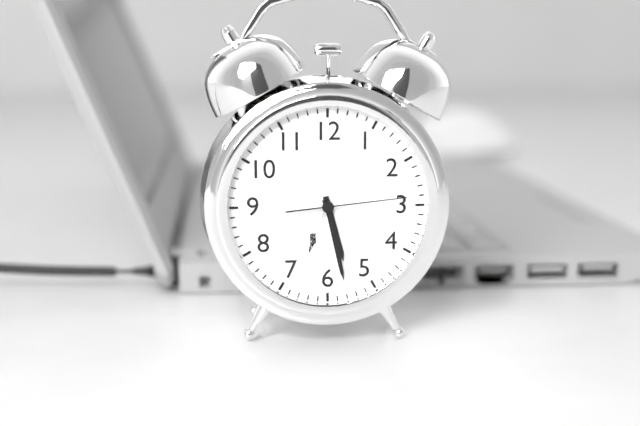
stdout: 5:28:14
